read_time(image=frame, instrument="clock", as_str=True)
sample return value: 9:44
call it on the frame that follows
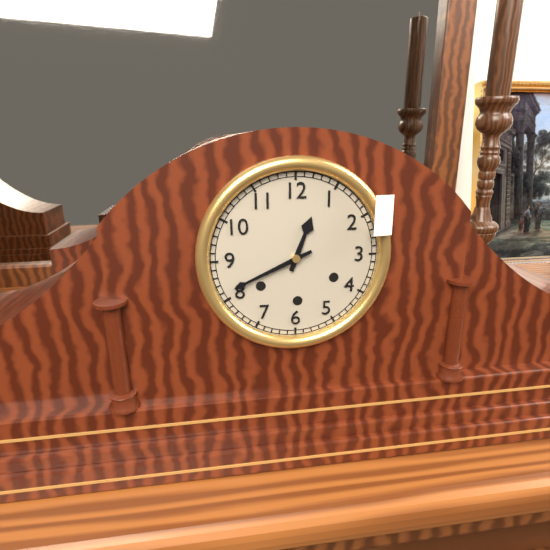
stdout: 12:41
